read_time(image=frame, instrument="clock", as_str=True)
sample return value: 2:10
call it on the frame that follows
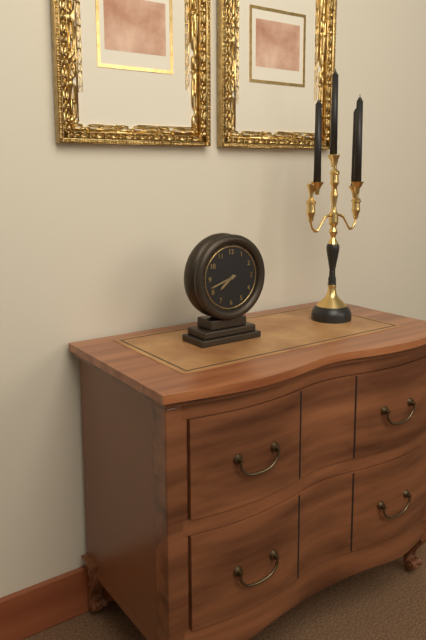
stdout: 7:42
